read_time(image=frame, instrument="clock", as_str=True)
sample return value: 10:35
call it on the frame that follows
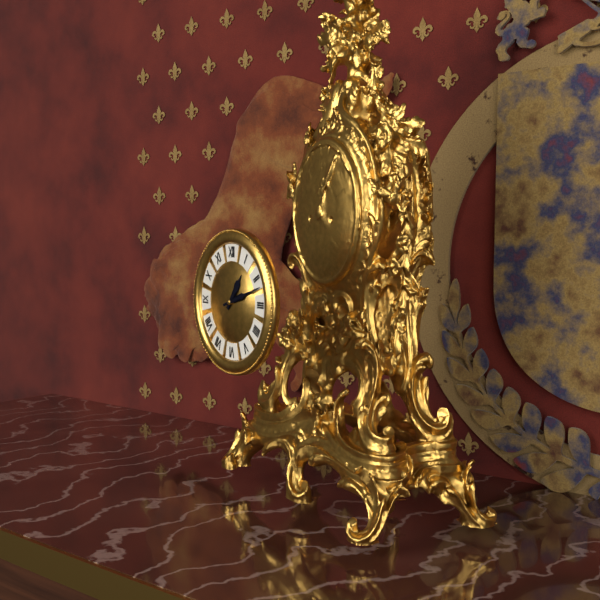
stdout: 1:12
